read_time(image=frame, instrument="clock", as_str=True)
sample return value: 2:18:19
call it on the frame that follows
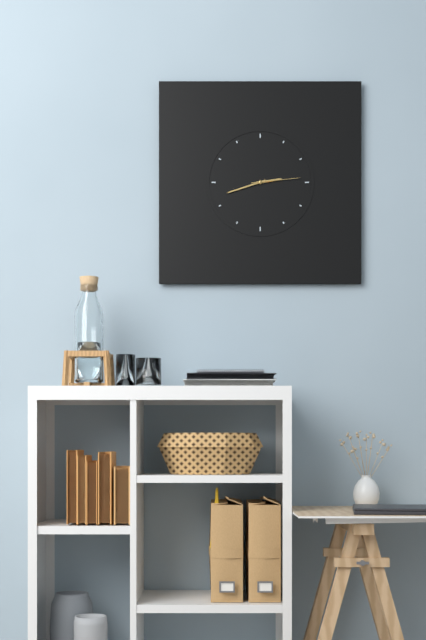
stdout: 2:42:14
